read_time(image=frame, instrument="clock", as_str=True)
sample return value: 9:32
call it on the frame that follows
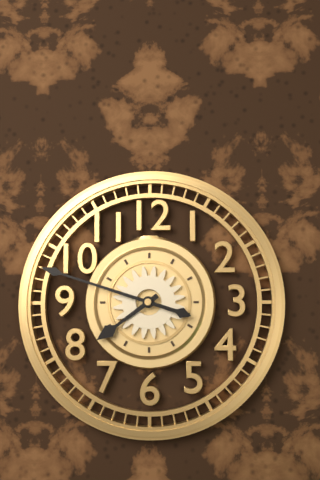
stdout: 7:48
